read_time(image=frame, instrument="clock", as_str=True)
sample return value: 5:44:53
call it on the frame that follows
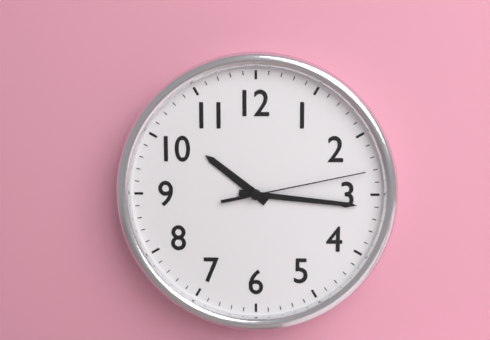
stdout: 10:16:13
